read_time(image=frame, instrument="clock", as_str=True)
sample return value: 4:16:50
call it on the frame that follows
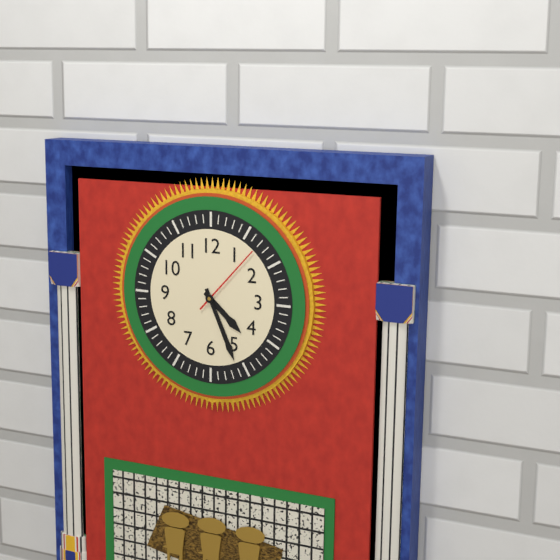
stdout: 4:26:07
